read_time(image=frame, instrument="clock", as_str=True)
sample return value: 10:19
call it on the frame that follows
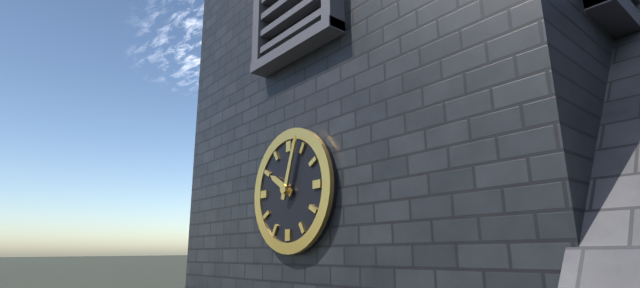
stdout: 10:03
